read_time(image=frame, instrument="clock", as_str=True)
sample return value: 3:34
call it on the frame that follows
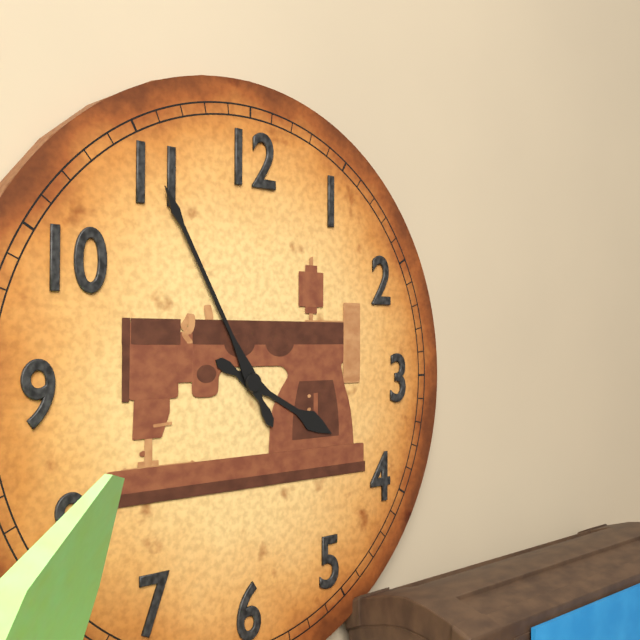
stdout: 3:55
